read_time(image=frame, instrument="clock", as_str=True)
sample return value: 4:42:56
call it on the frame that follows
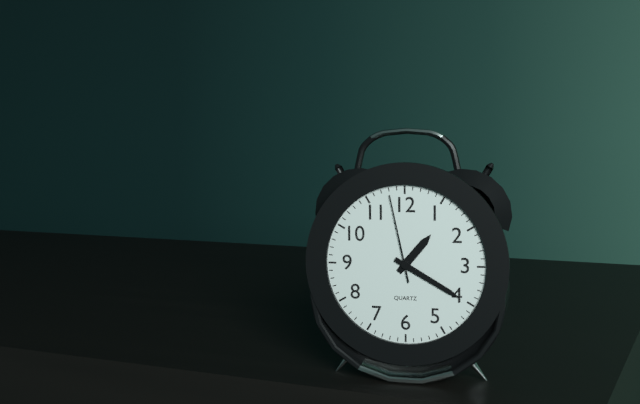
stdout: 1:20:58
